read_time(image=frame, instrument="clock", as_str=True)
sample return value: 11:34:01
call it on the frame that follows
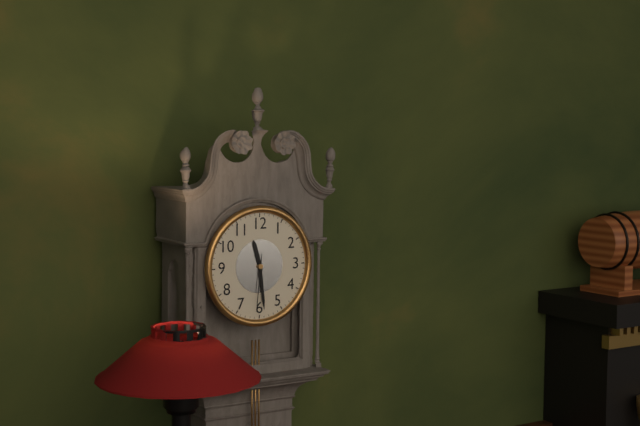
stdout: 11:29:31
